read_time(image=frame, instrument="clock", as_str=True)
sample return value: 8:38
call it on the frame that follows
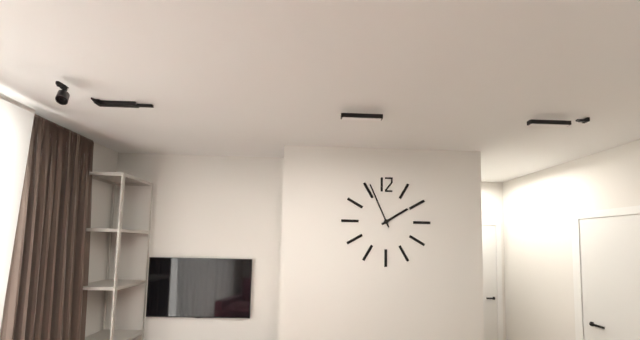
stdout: 1:56
